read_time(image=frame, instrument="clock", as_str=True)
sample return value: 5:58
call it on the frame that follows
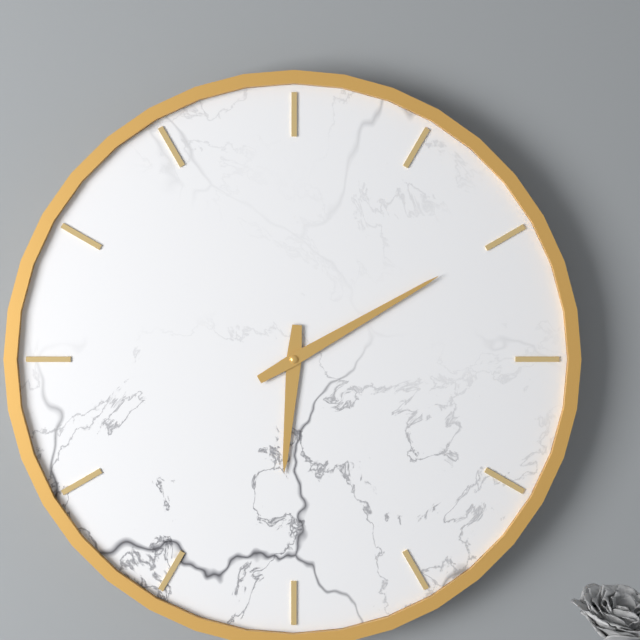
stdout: 6:10
